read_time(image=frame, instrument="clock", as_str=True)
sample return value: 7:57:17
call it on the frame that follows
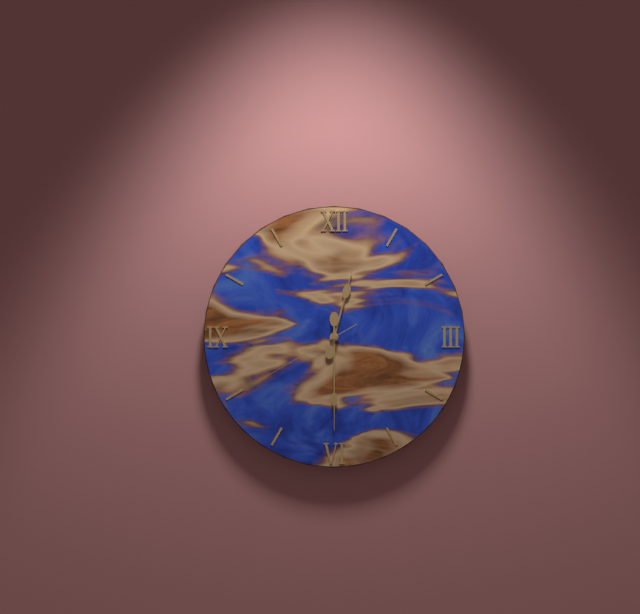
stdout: 12:30:40
